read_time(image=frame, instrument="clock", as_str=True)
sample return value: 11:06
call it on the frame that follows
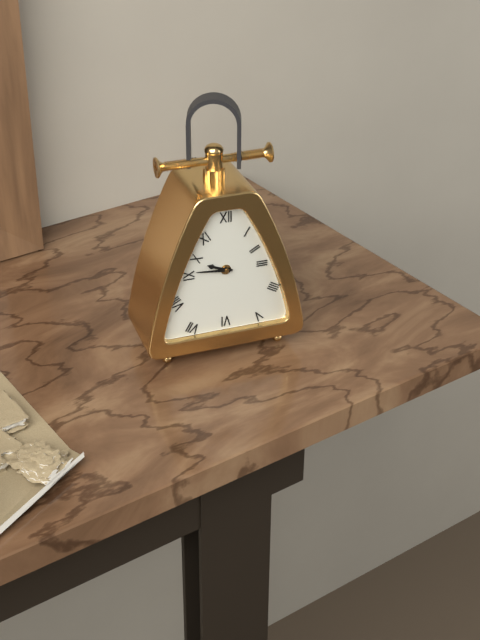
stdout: 9:46
